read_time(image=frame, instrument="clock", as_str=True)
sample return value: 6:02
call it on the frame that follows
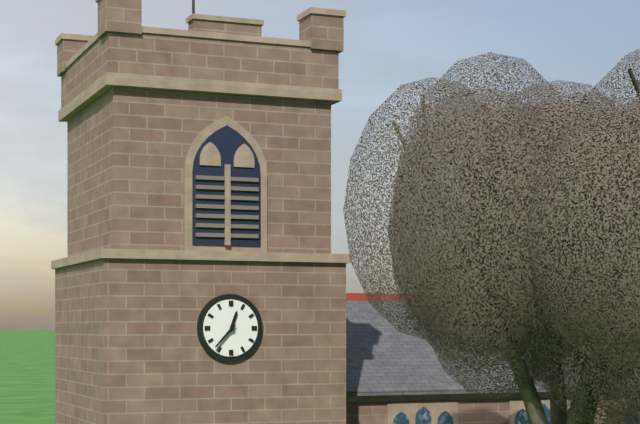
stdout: 12:37
